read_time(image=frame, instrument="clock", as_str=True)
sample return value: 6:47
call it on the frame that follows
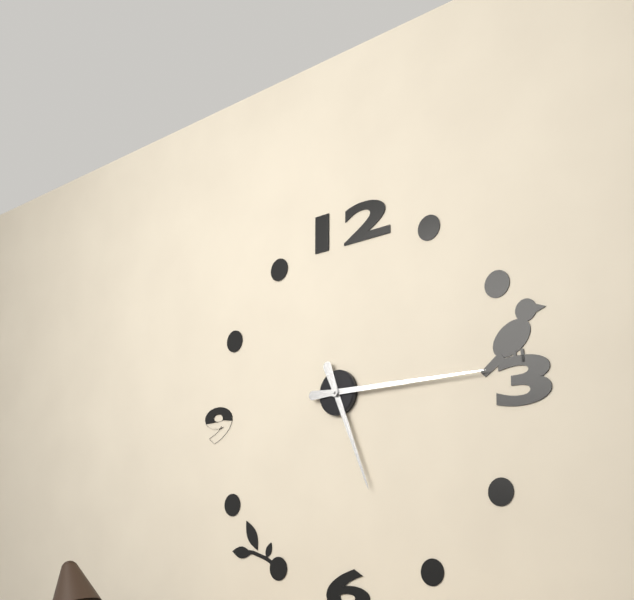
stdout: 5:15
